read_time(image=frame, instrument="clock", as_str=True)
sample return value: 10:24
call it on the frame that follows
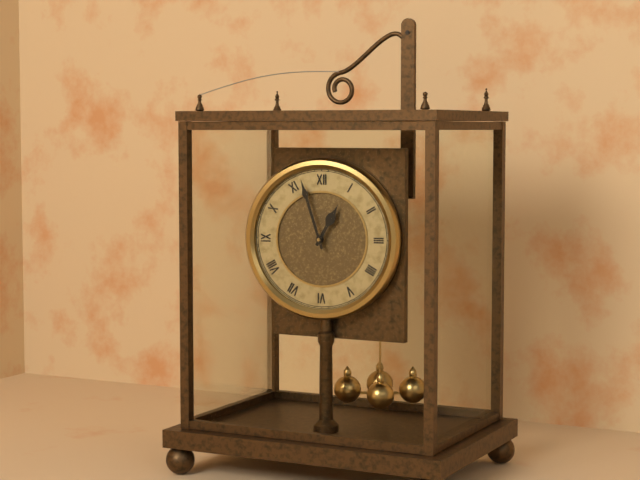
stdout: 12:57
